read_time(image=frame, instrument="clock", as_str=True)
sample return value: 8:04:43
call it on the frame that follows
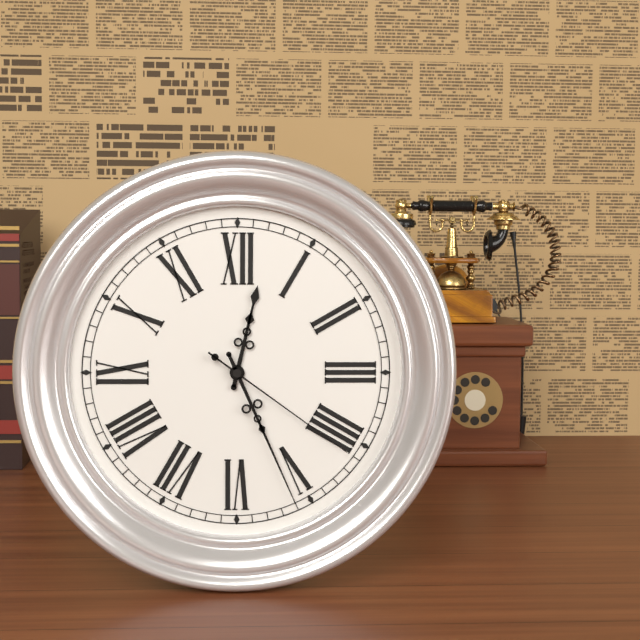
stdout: 12:26:21
